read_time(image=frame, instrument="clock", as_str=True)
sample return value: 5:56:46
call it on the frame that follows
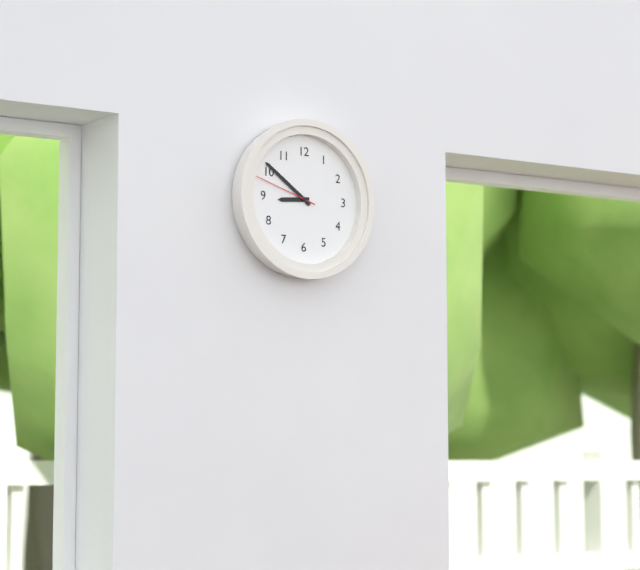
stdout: 8:51:48
